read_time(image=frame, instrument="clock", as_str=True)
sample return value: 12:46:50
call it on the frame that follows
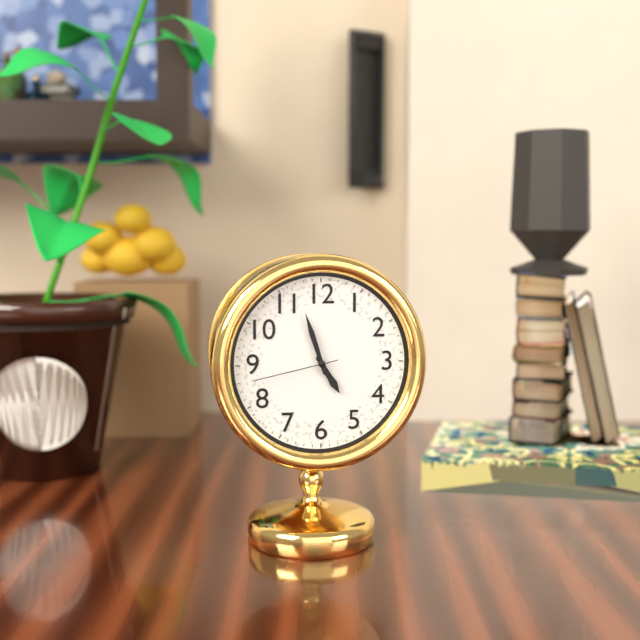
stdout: 4:57:43
